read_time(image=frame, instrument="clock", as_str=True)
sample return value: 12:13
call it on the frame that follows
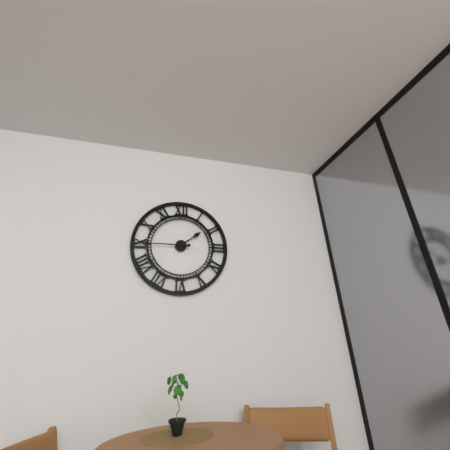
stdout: 1:45
